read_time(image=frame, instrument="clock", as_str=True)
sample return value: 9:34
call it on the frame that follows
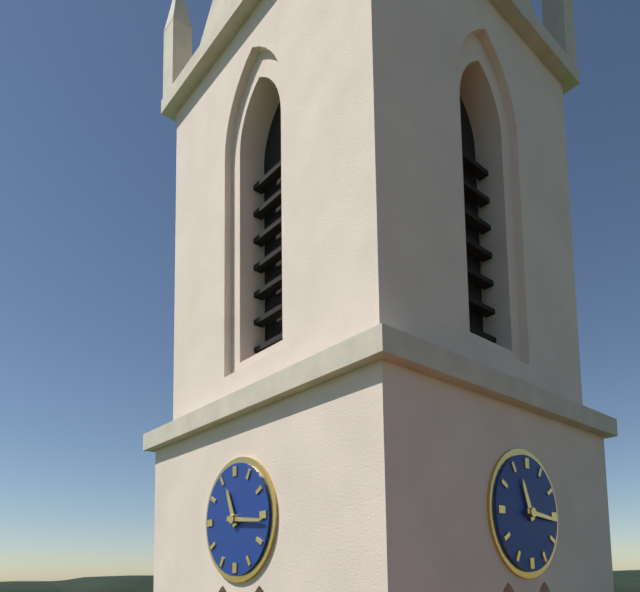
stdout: 11:16
